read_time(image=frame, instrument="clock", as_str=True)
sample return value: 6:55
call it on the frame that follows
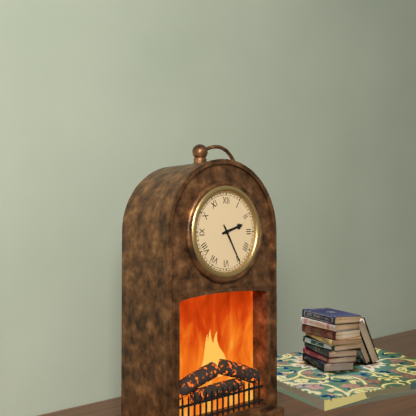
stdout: 2:25
